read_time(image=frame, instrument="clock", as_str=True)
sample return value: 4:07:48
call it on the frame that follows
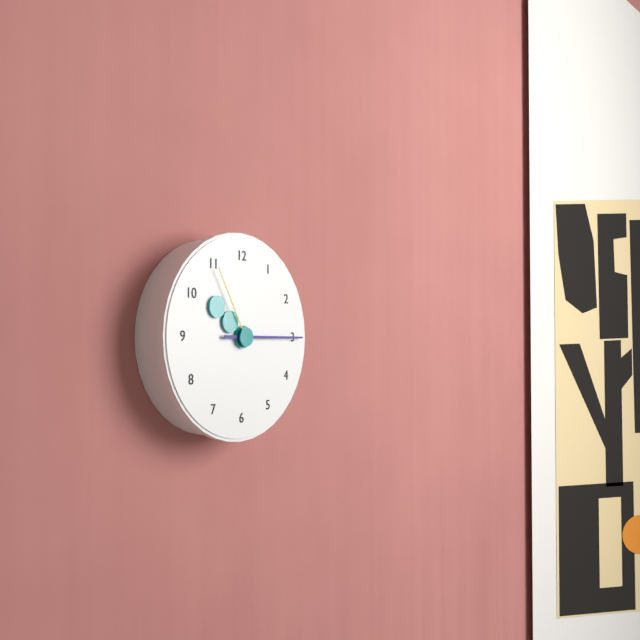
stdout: 10:15:55
